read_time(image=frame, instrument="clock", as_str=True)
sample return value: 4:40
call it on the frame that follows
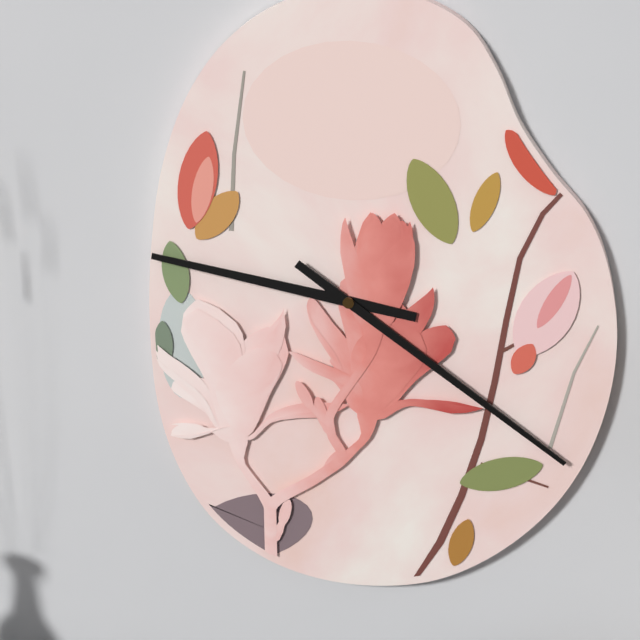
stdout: 9:21
